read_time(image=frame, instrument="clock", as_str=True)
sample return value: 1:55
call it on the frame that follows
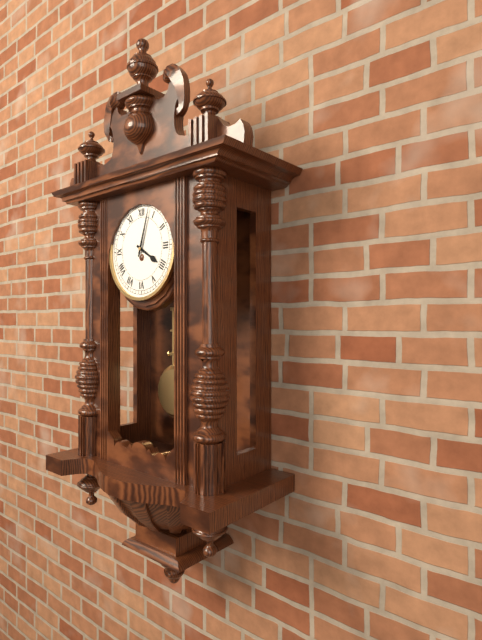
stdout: 4:03
